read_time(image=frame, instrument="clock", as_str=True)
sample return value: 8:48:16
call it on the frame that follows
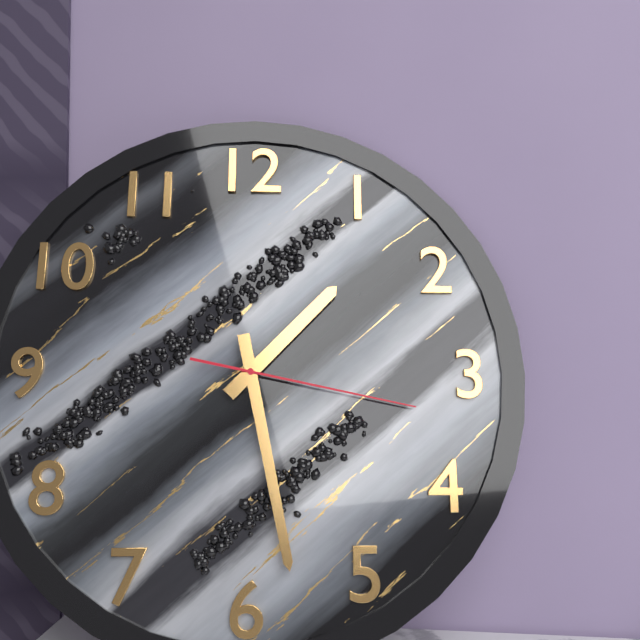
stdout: 1:28:17
